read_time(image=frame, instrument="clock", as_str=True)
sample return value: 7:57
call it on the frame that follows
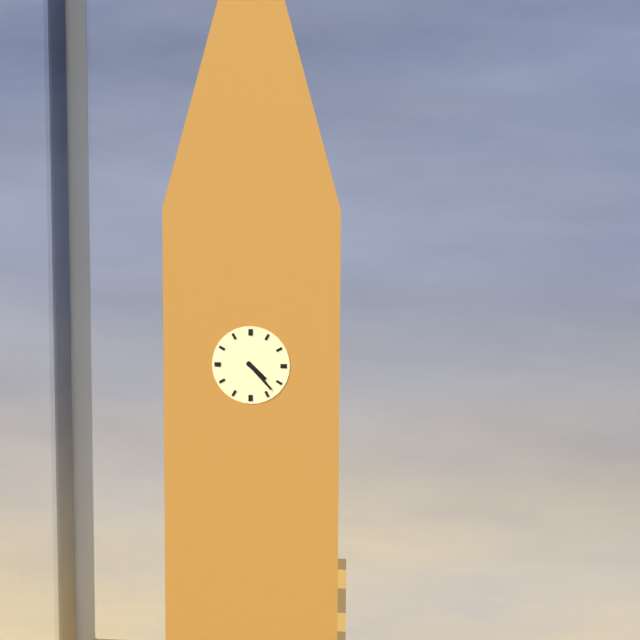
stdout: 4:23
